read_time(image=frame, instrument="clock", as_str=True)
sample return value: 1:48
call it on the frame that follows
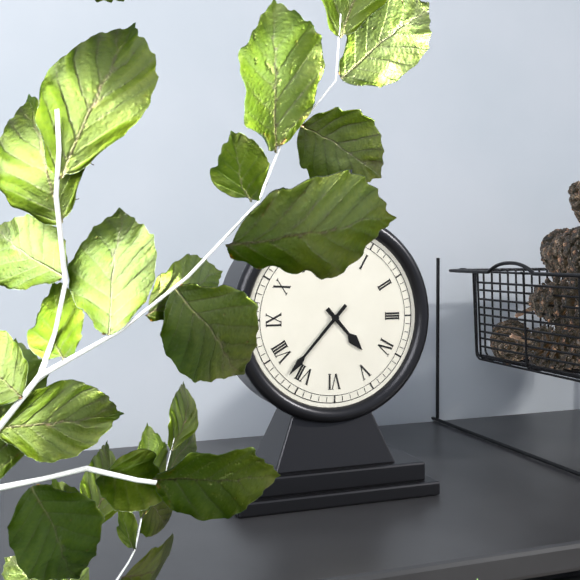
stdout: 4:37
